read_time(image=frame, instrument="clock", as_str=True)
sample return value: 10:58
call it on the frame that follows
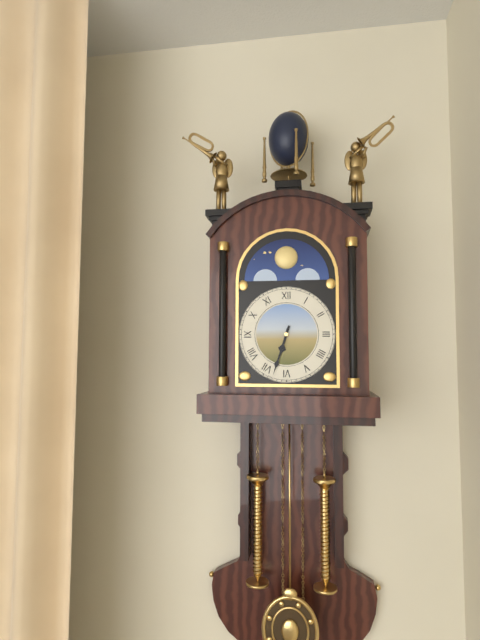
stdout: 6:33
